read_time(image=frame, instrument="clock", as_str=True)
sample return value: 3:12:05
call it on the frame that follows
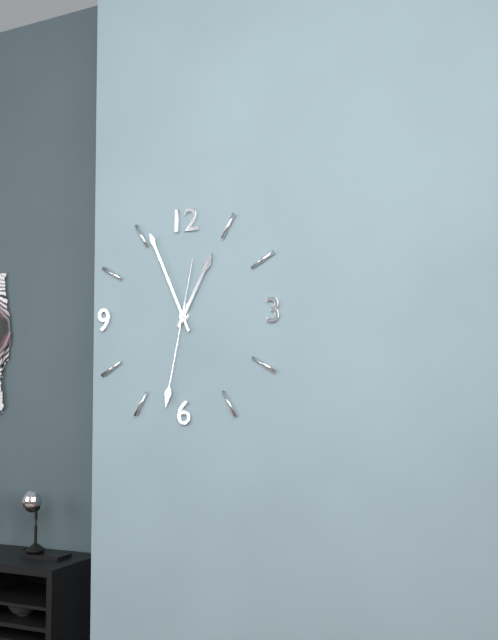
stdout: 12:56:32
